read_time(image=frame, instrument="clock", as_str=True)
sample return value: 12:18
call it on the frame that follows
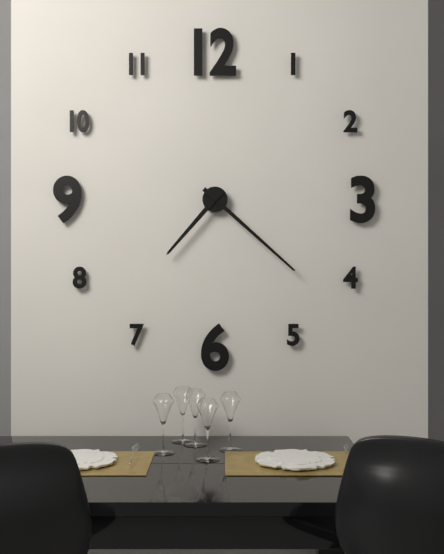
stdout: 7:22
